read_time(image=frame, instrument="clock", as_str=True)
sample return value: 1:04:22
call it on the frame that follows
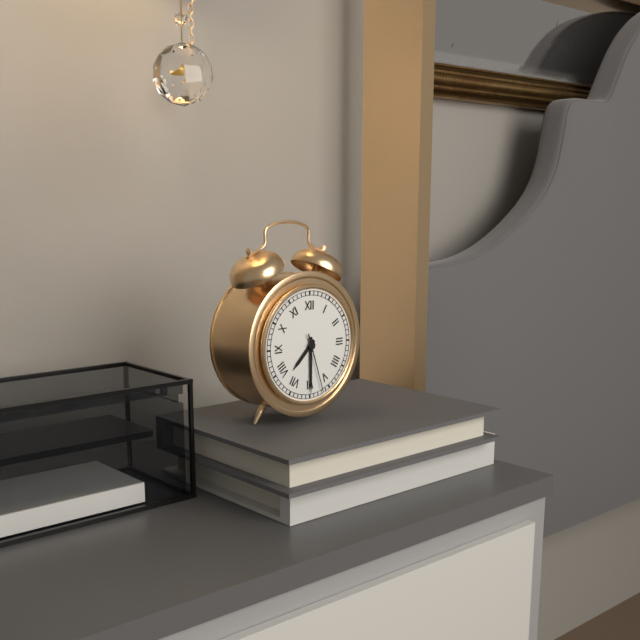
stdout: 7:30:27
